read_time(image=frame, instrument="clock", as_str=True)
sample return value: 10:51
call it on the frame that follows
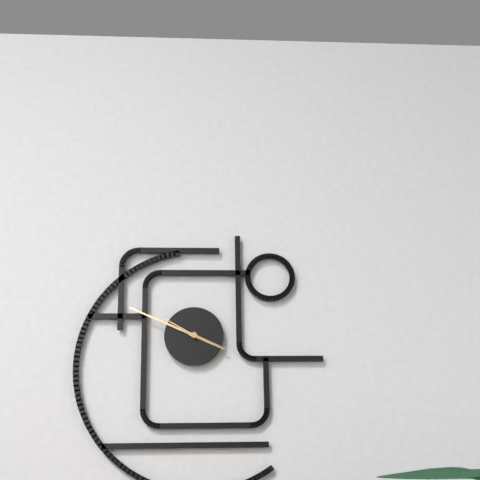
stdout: 3:49
